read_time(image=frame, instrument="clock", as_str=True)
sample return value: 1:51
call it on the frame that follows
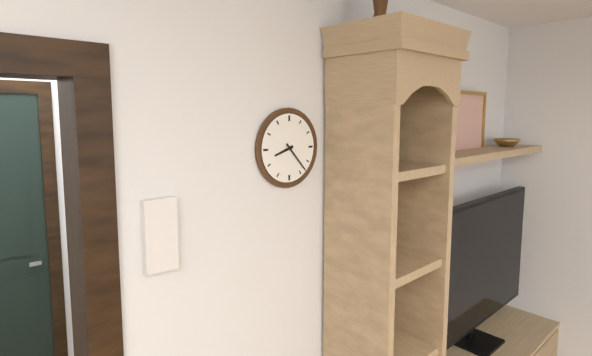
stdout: 8:23
